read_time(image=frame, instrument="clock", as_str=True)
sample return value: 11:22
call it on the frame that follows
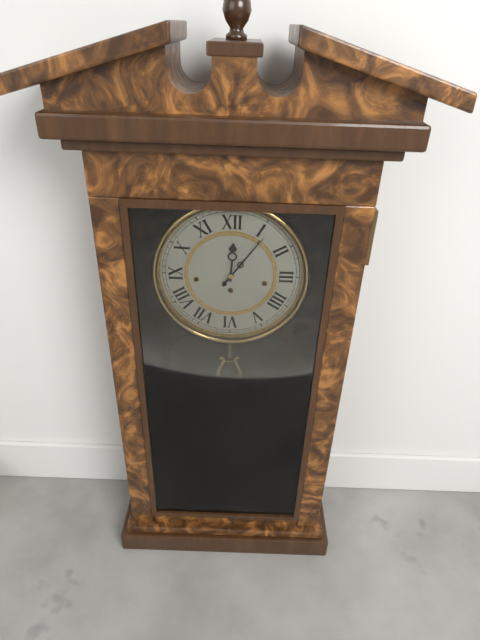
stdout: 12:06
